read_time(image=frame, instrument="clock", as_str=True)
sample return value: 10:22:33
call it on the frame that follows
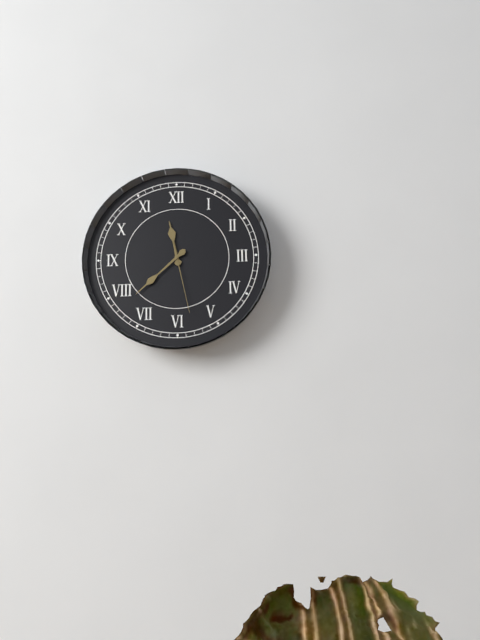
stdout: 11:38:28
